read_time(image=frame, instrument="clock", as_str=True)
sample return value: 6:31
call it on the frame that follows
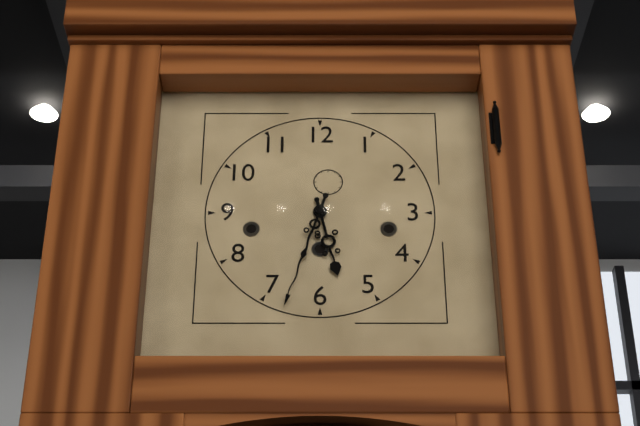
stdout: 5:33
